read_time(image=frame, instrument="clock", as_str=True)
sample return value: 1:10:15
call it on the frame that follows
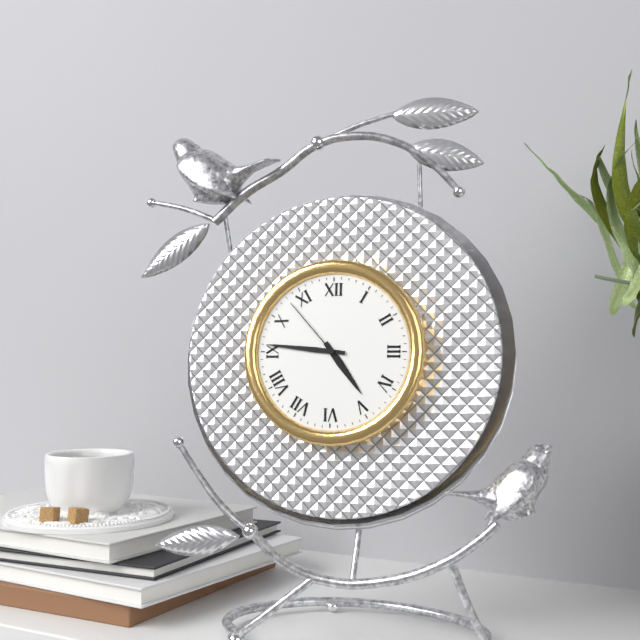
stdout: 4:46:53
